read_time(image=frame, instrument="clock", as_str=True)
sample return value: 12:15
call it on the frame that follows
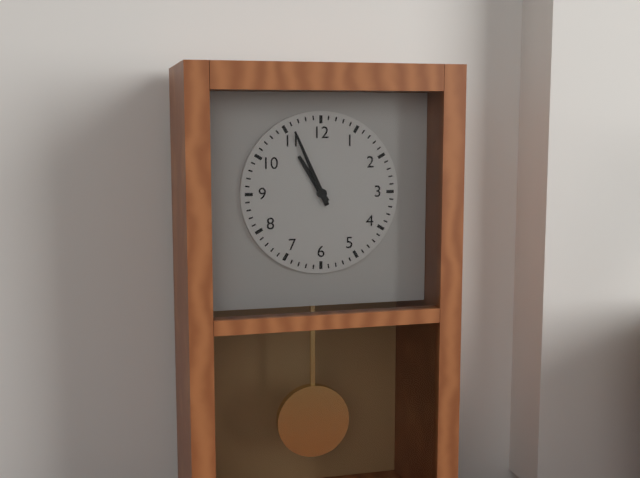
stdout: 10:56
